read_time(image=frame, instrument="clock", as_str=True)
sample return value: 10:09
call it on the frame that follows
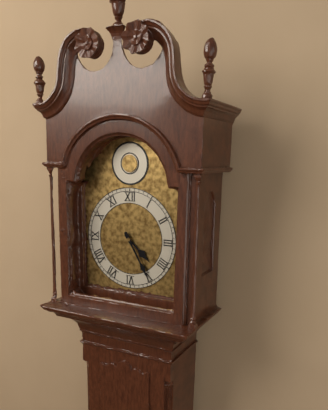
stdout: 4:25
